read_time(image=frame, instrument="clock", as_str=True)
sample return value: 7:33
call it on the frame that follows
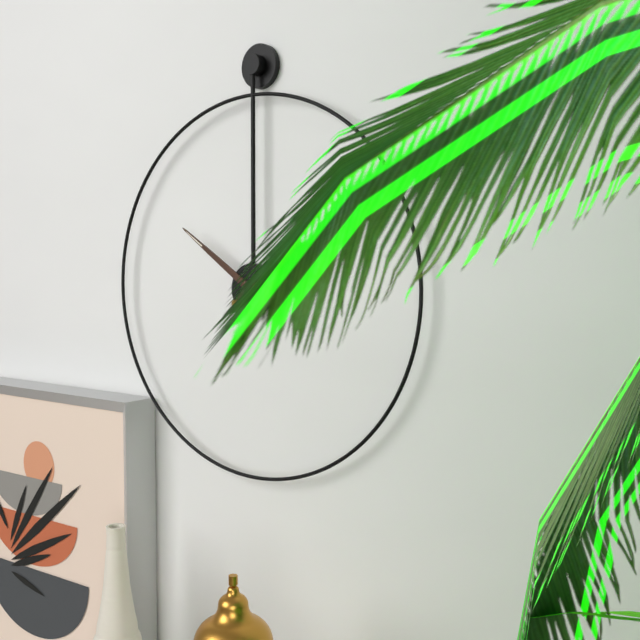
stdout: 10:08
